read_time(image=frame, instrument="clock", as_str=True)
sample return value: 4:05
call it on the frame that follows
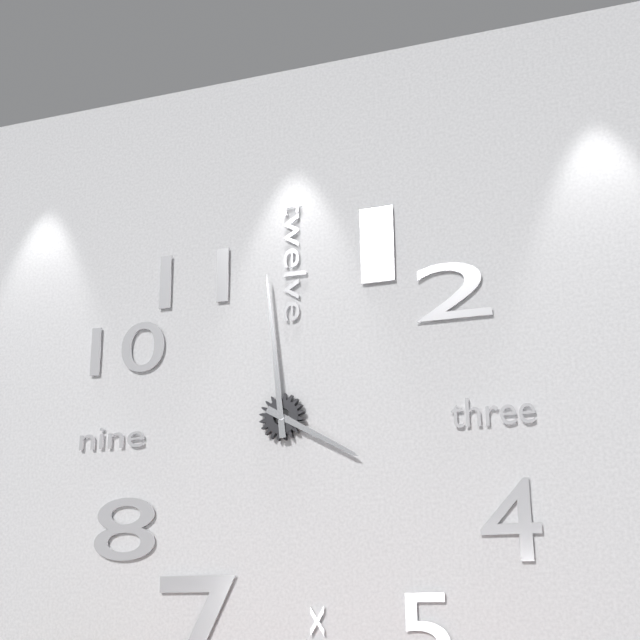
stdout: 3:59
